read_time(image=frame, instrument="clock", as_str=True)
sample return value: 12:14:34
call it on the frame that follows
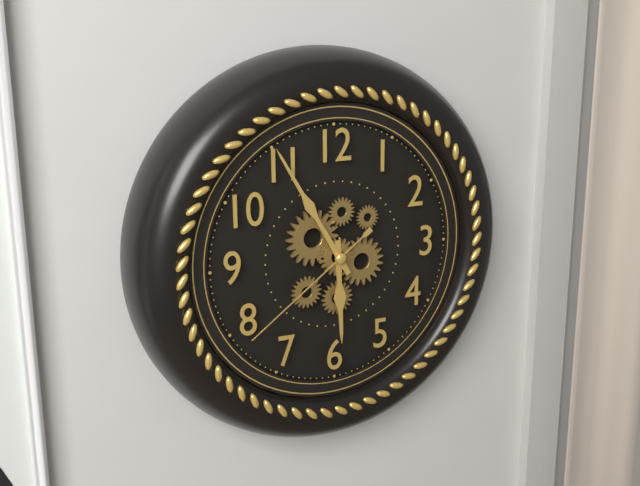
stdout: 5:55:39
